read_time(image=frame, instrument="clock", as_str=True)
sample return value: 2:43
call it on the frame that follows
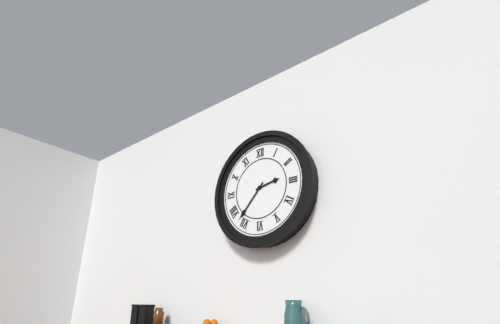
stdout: 2:37
